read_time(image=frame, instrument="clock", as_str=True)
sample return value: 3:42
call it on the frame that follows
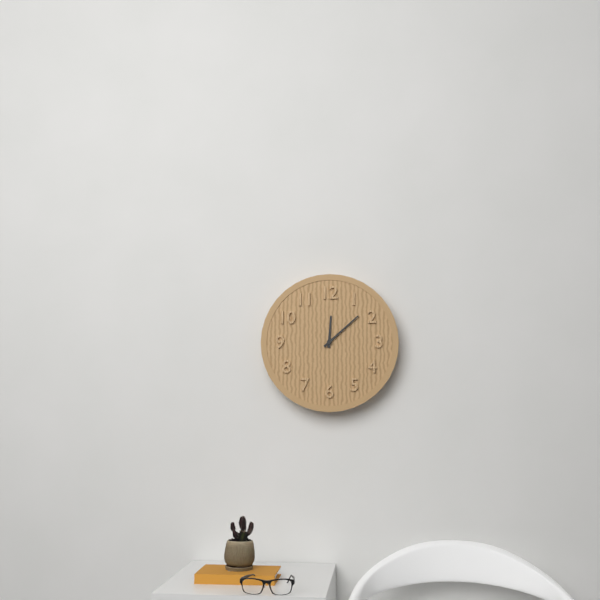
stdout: 12:08
